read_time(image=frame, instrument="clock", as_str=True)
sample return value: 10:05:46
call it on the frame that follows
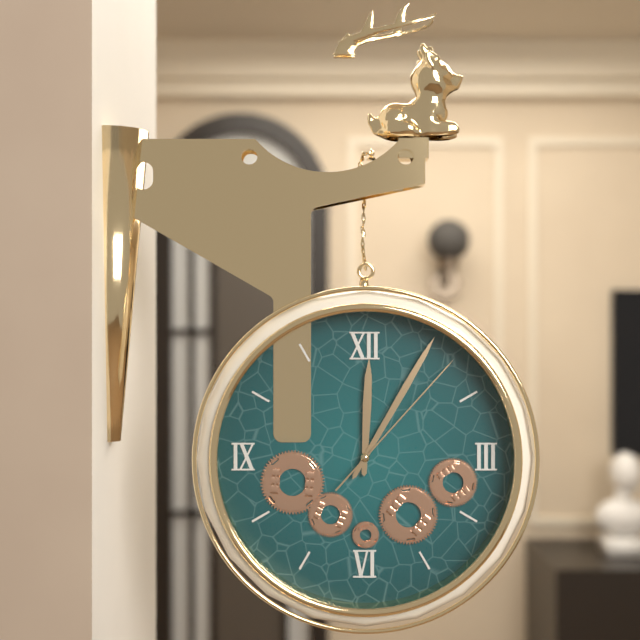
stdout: 12:05:07
